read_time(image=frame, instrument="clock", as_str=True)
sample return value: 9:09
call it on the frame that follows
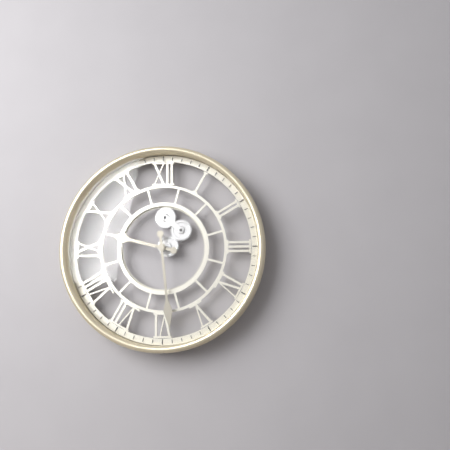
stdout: 9:29
